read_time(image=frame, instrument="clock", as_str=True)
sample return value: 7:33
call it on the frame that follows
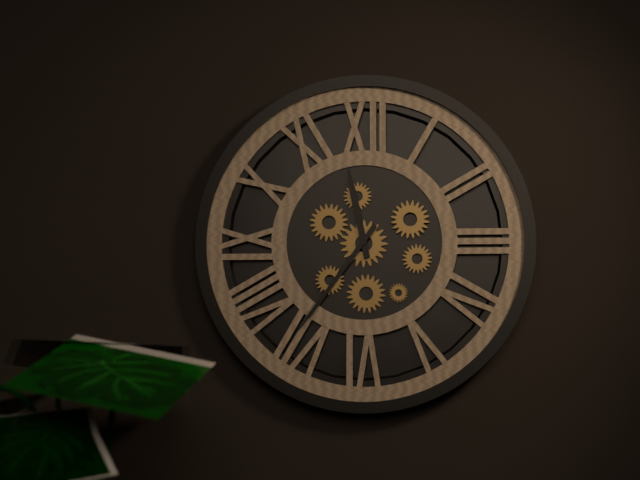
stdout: 11:36
